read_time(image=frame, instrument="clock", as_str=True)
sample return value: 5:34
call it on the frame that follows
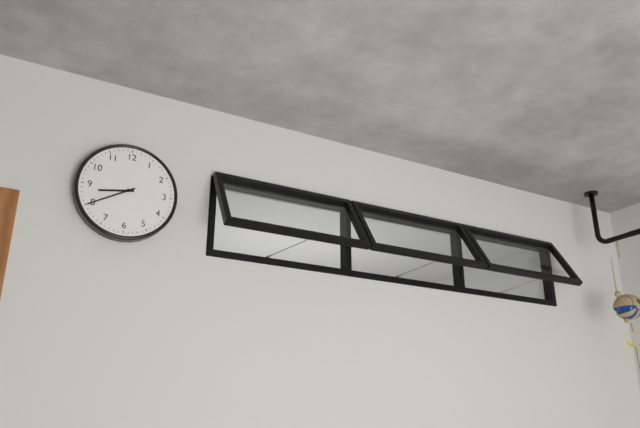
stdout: 8:40
